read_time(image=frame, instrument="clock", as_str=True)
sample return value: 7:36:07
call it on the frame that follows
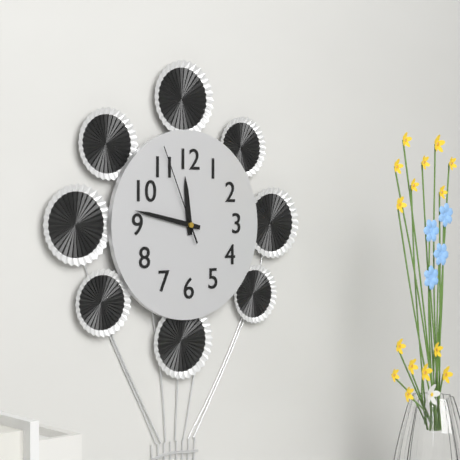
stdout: 11:47:56
